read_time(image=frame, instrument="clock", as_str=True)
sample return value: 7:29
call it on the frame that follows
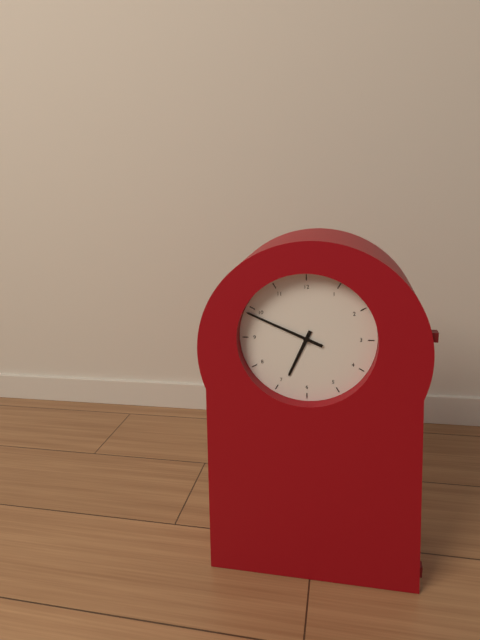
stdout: 6:49
